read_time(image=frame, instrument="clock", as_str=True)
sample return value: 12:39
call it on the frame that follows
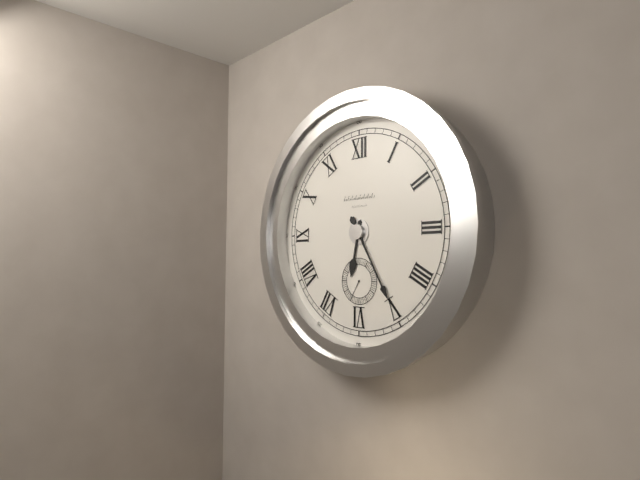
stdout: 6:25
